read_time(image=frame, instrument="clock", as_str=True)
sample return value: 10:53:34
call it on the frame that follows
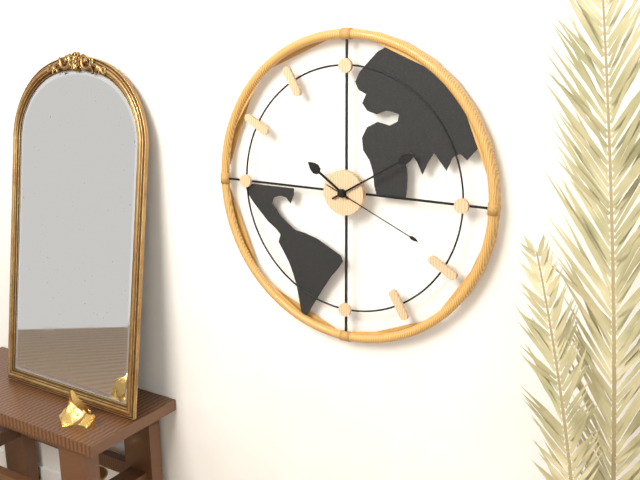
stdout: 10:10:19
